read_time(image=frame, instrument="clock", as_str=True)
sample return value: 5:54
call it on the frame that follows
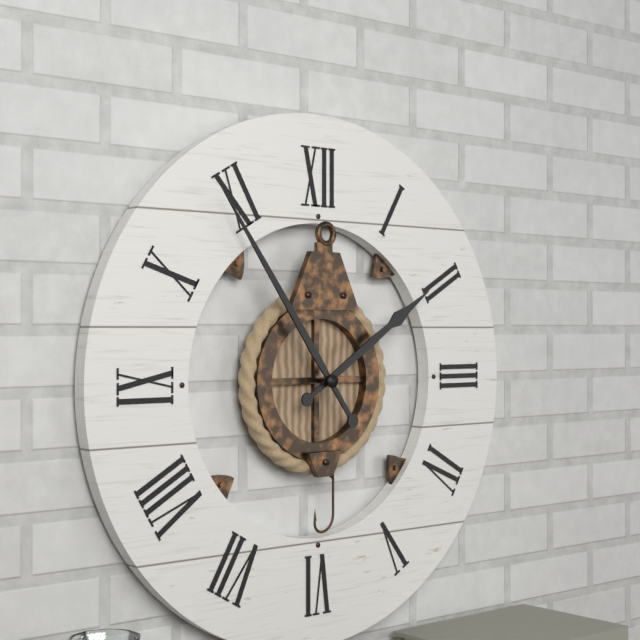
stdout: 1:54
